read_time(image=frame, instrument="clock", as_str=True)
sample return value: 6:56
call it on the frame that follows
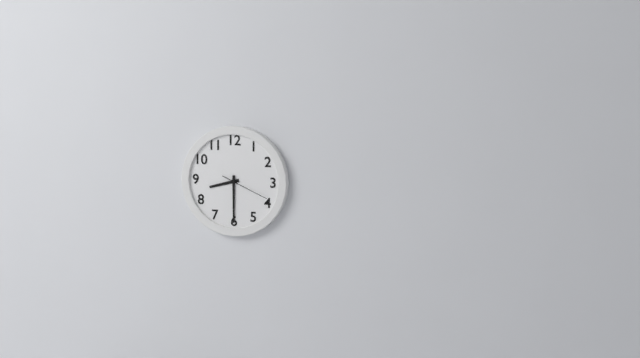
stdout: 8:30
